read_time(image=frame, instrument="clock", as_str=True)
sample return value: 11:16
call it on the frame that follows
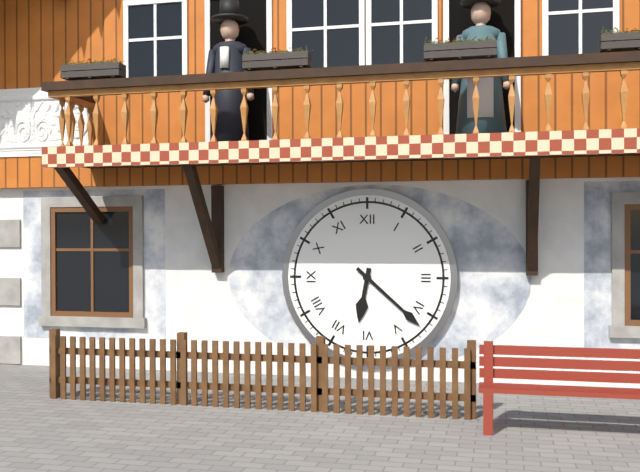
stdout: 6:22
